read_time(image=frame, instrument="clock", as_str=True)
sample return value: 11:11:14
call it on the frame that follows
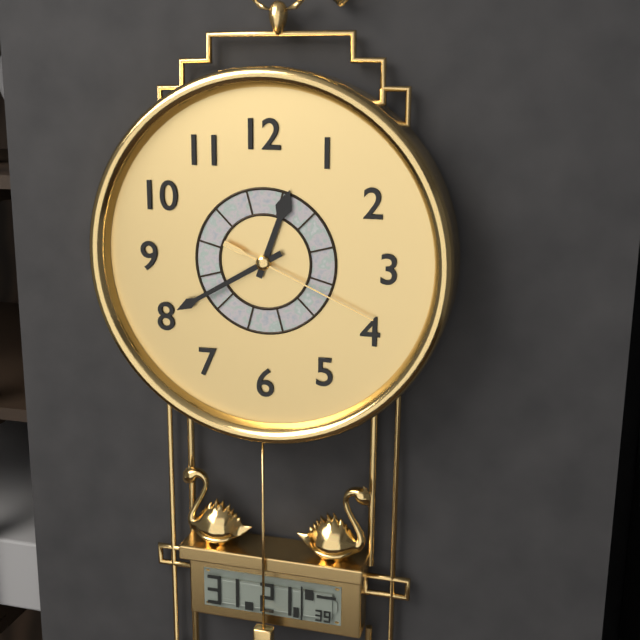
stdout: 12:40:19
